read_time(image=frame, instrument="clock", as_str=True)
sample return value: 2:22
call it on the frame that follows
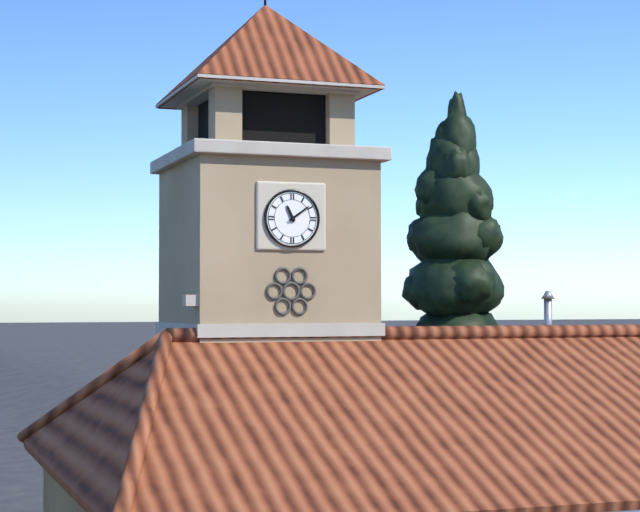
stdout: 11:09
